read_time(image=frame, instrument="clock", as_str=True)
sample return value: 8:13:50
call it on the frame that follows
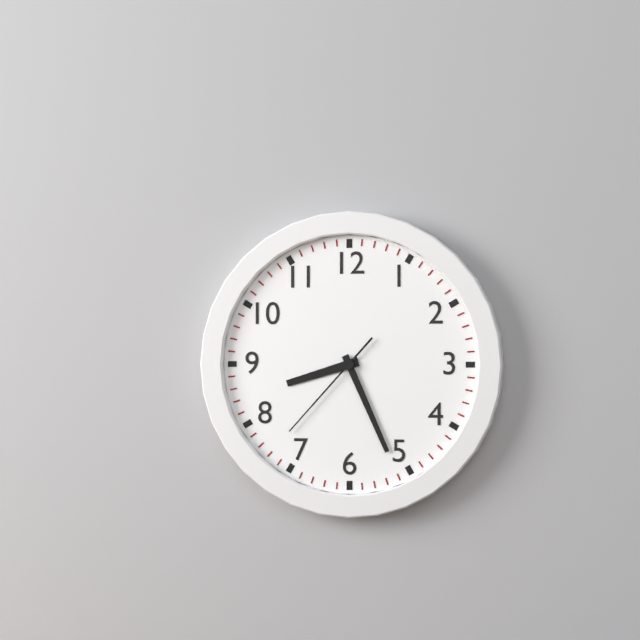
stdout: 8:26:37
